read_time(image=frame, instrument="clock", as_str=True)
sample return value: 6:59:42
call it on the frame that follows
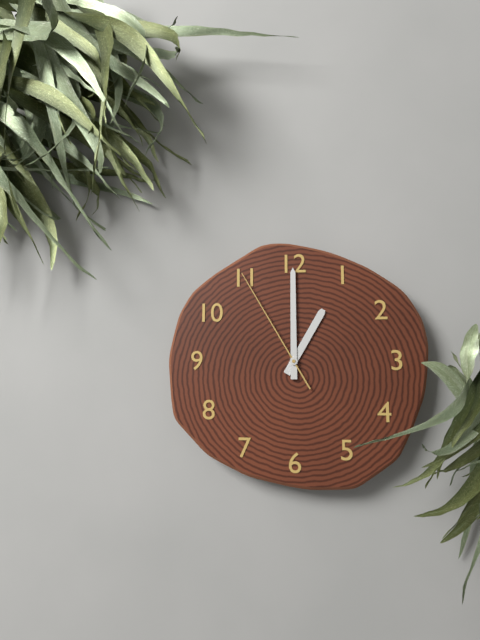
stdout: 1:00:55
